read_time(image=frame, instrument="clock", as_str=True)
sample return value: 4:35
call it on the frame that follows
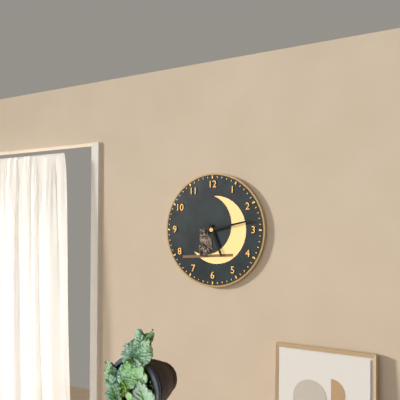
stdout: 5:13
